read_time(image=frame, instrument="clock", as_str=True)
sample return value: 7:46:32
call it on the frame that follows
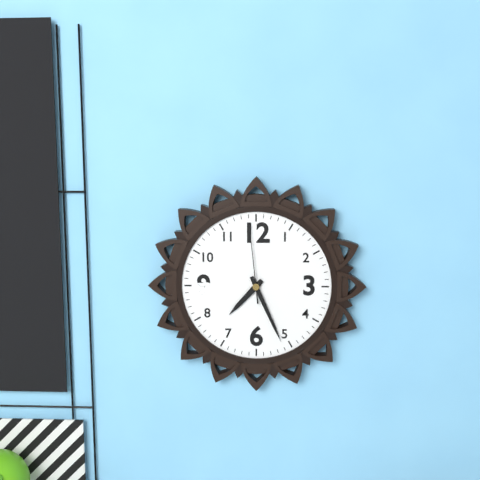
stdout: 7:26:59
